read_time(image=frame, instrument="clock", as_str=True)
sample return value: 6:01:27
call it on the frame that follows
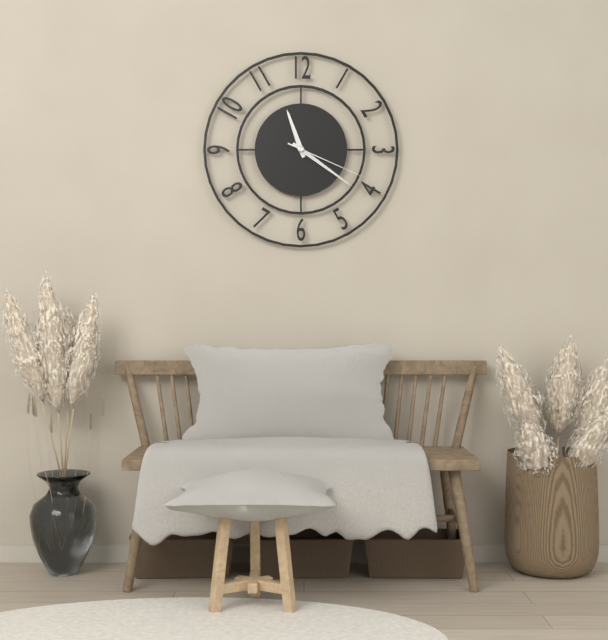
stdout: 11:21:19
